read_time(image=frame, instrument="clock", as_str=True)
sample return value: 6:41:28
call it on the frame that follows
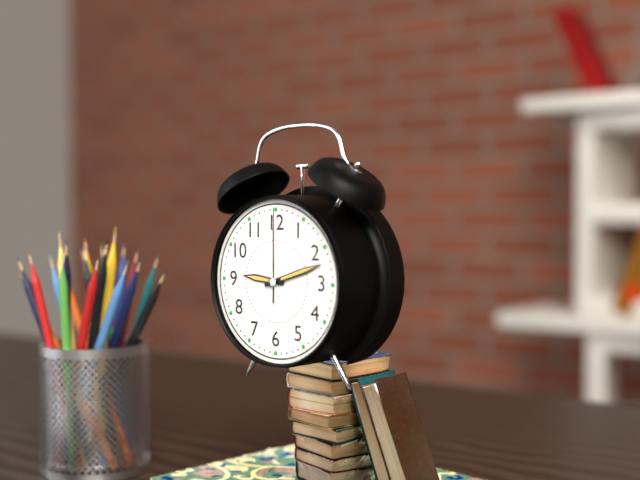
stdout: 9:12:00
